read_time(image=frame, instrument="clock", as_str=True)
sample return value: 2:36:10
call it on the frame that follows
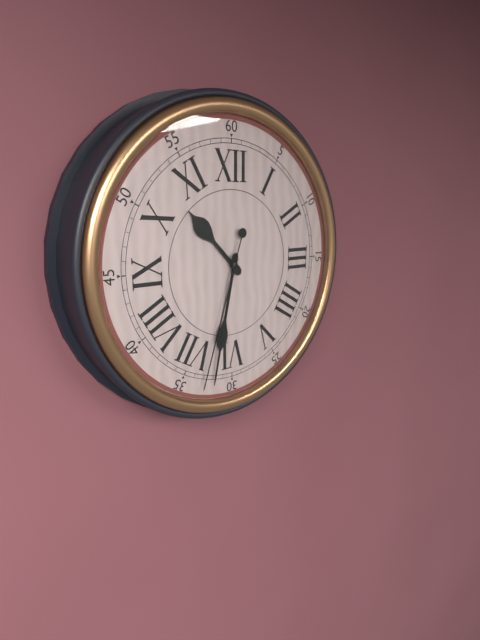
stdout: 10:32:33
